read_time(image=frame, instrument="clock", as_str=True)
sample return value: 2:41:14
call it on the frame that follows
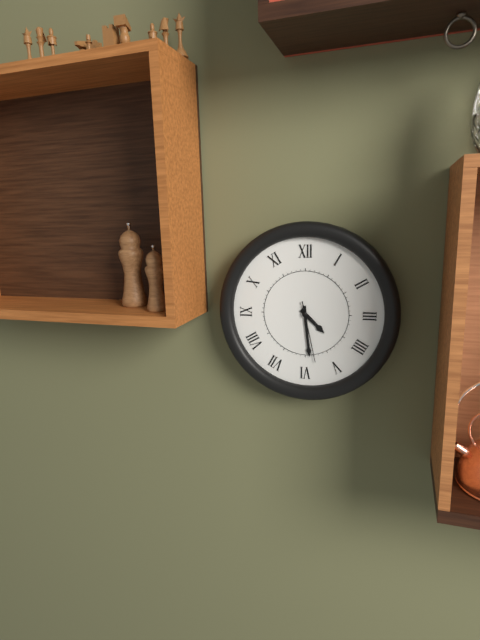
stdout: 4:29:28
